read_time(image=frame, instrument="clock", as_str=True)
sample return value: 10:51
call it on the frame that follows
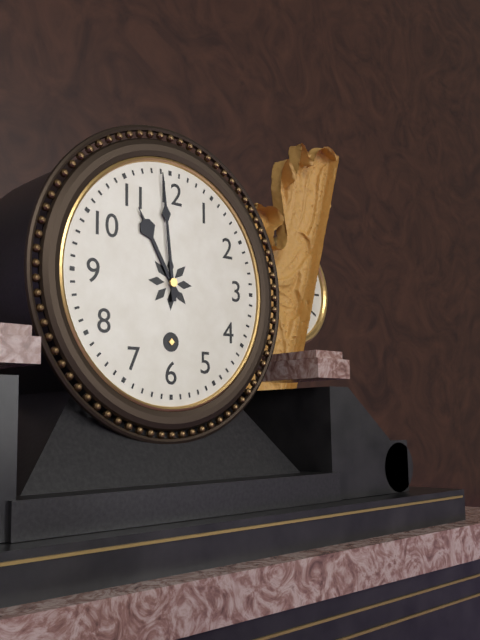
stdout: 10:59
